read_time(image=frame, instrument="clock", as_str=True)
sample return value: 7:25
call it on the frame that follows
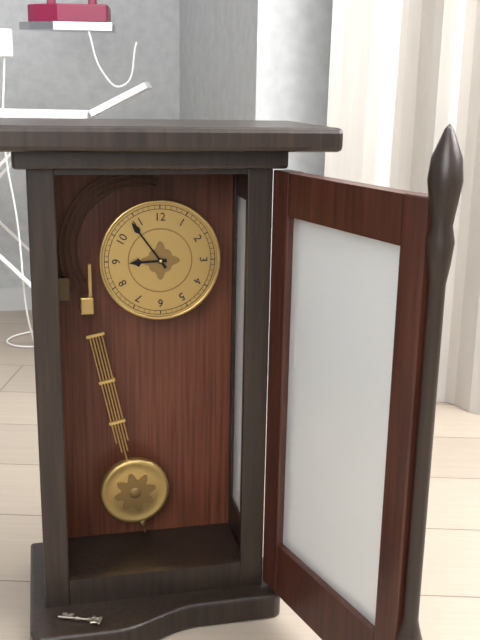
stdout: 8:54
